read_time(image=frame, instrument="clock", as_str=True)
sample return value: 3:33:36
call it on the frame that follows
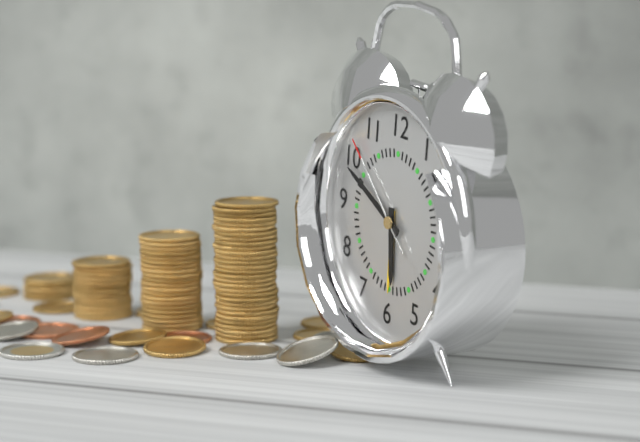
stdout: 5:49:52
